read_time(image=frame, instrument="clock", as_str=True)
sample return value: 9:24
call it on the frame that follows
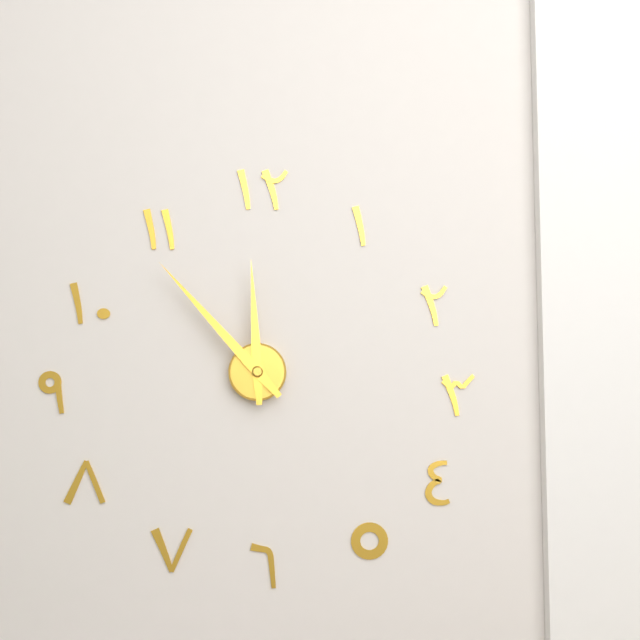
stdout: 11:53
